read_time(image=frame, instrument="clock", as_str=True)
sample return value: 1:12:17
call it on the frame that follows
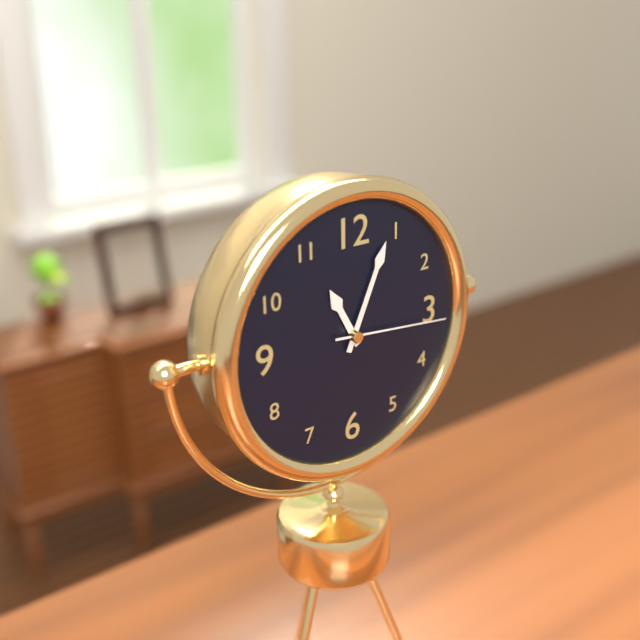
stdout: 11:04:16
